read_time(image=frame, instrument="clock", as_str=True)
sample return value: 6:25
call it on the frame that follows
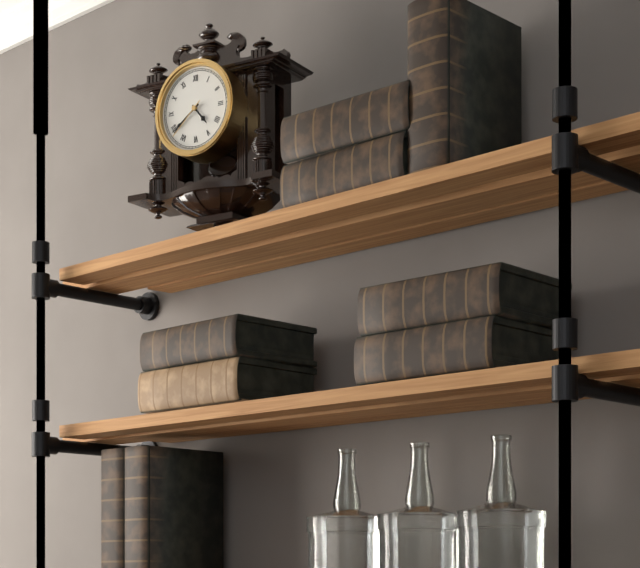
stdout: 4:39
